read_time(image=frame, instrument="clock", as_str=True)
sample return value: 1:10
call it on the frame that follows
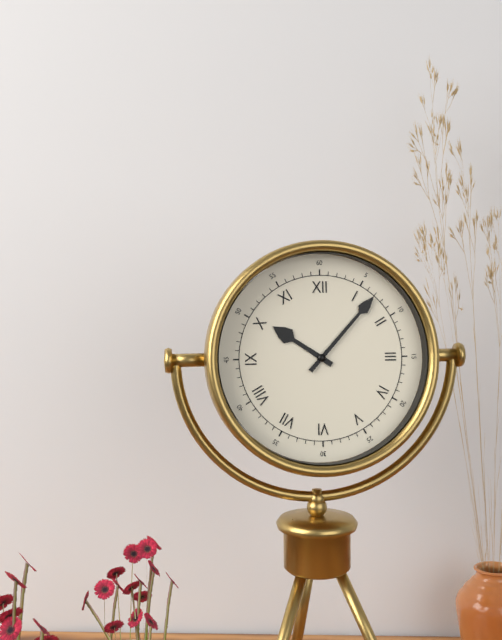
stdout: 10:07
